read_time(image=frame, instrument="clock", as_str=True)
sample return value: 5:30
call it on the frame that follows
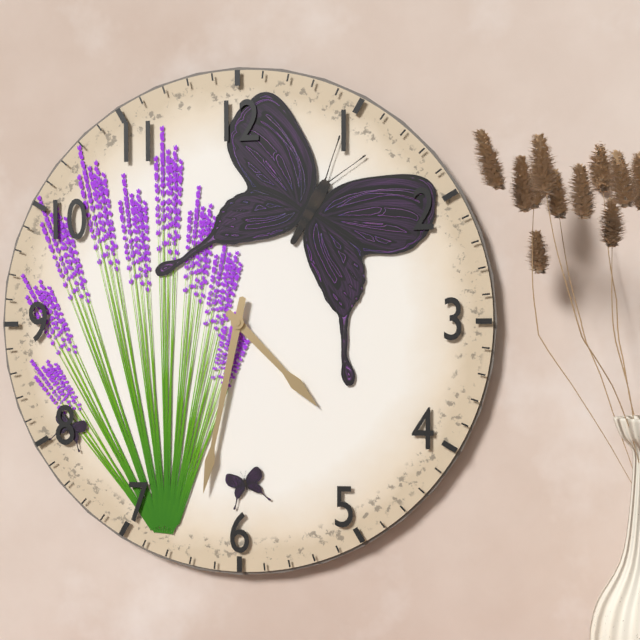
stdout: 4:32
